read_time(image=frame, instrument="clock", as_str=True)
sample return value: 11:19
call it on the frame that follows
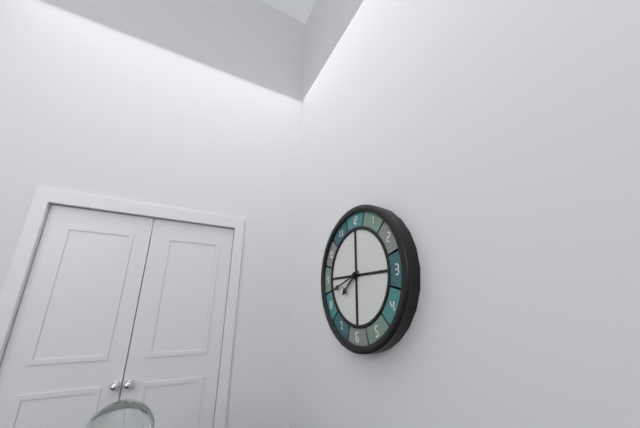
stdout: 7:42
